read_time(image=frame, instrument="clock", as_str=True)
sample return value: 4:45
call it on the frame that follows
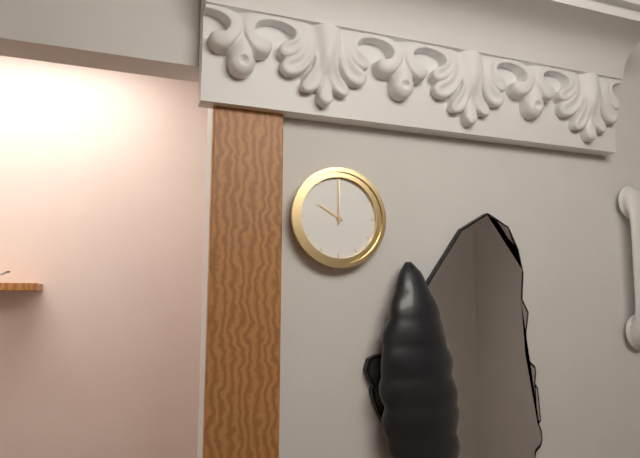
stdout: 10:00
